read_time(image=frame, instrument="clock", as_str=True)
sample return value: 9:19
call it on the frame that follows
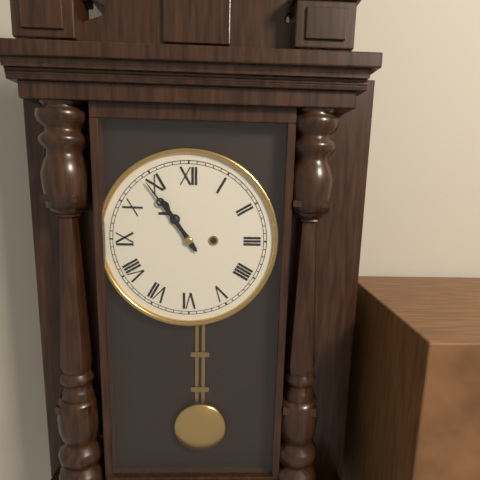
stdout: 10:54
